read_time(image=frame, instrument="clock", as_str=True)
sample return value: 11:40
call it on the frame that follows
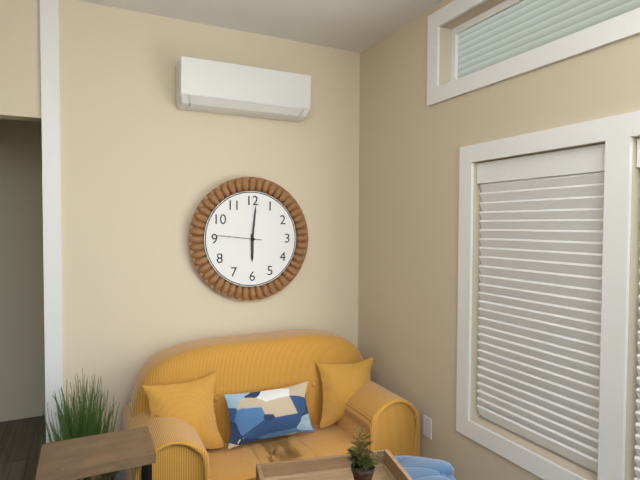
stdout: 6:01
